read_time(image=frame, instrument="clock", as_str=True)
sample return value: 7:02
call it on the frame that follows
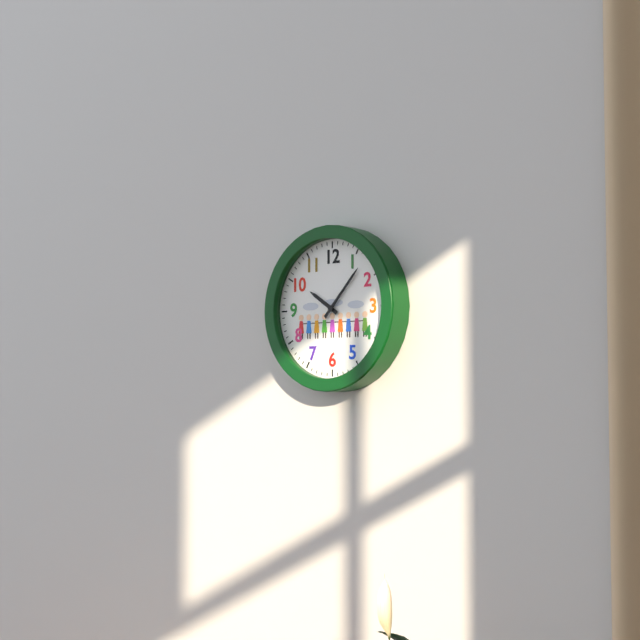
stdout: 10:07
